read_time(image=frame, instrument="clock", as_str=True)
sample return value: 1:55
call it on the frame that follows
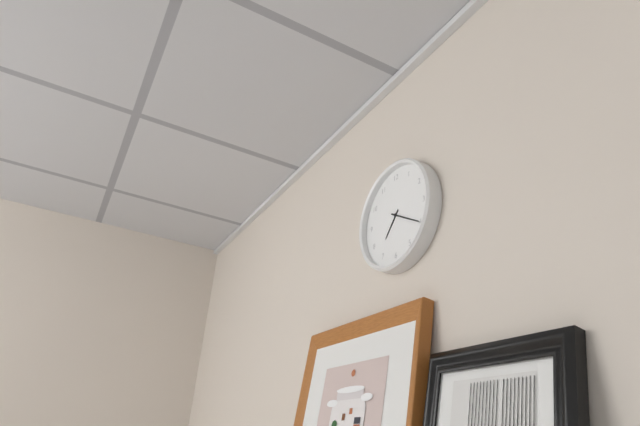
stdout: 7:20
